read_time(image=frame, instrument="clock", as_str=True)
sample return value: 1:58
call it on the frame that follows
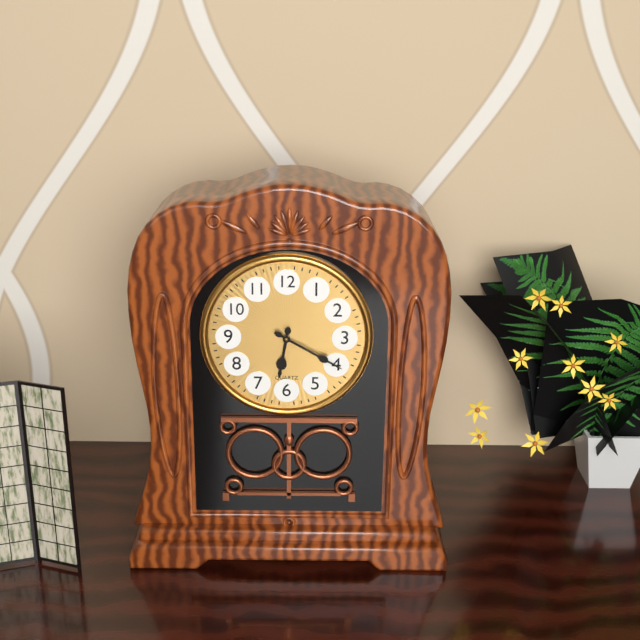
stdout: 6:20
